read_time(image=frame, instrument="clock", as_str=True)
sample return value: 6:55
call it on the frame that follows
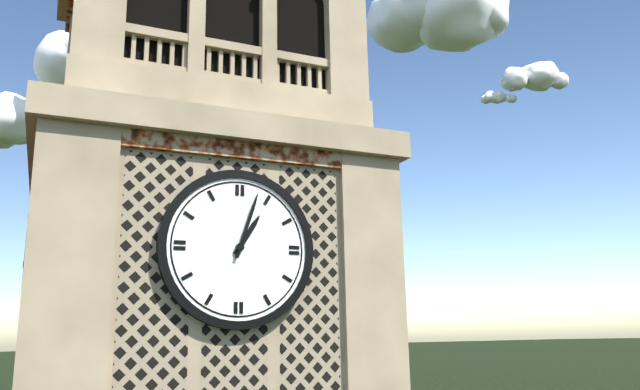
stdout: 1:03
